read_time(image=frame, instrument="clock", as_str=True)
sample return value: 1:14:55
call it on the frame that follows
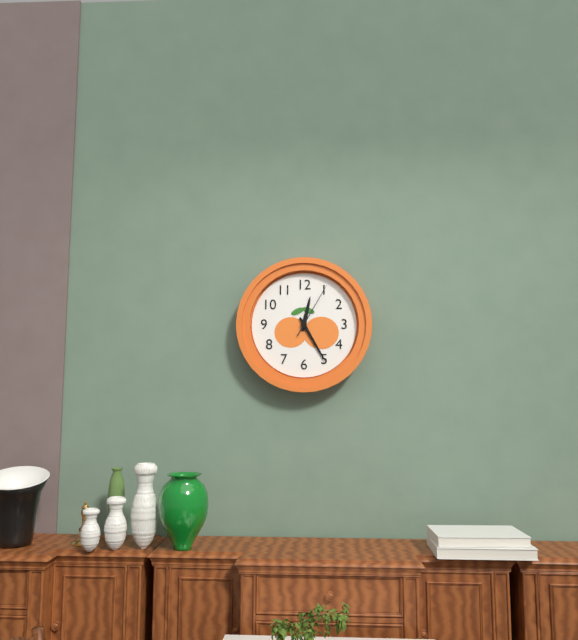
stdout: 12:25:05
